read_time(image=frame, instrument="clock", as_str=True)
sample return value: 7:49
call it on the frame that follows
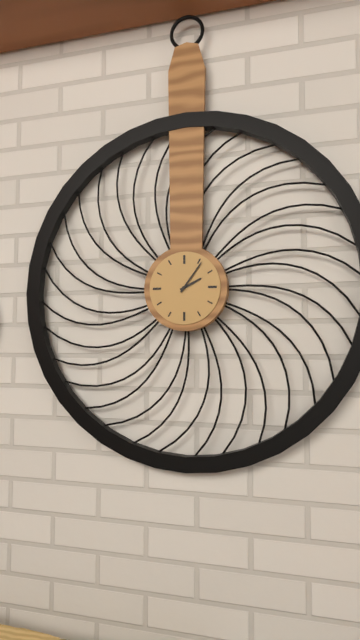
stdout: 2:06
